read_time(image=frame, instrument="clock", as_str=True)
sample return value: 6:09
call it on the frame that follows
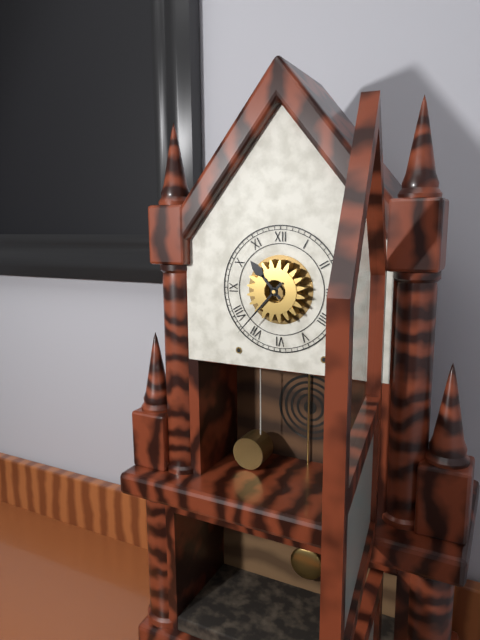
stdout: 10:37
